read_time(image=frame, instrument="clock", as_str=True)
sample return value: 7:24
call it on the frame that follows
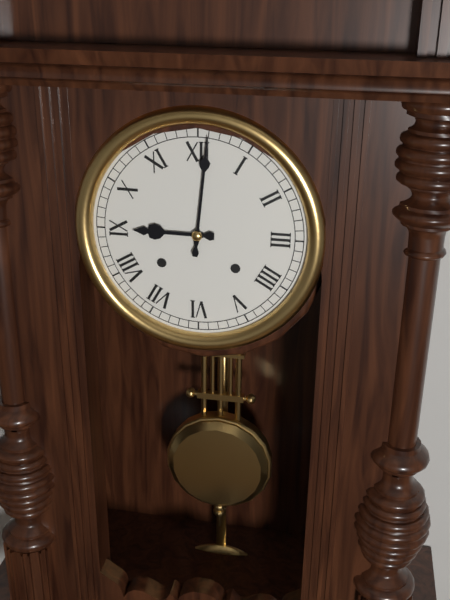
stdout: 9:01
